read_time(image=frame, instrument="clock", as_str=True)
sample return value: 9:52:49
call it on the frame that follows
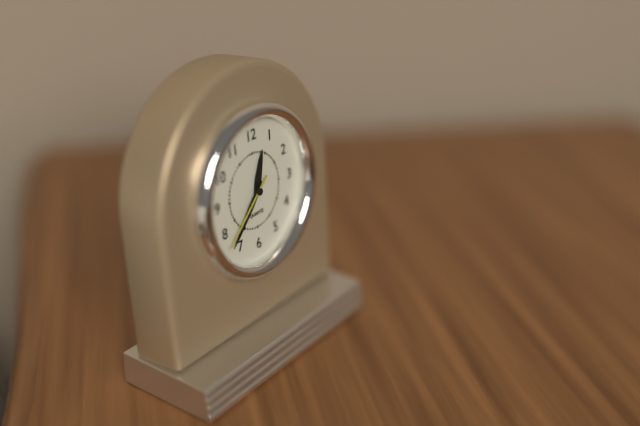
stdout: 12:37:38
